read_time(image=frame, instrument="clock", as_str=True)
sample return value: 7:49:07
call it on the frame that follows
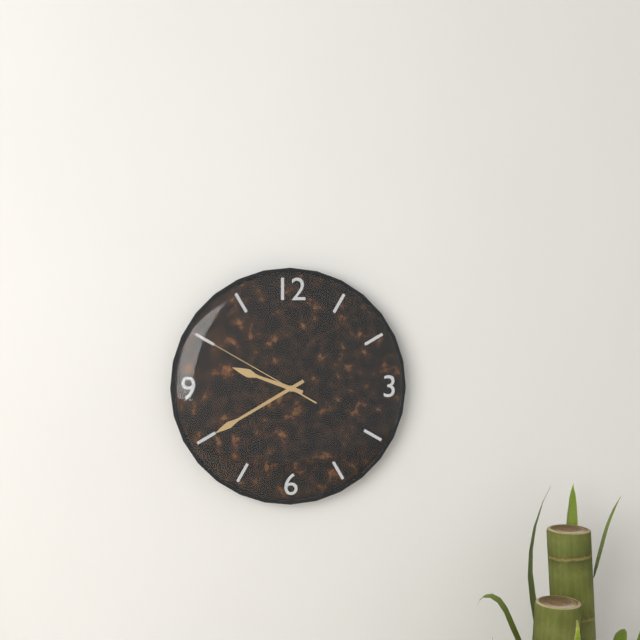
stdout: 9:40:50
